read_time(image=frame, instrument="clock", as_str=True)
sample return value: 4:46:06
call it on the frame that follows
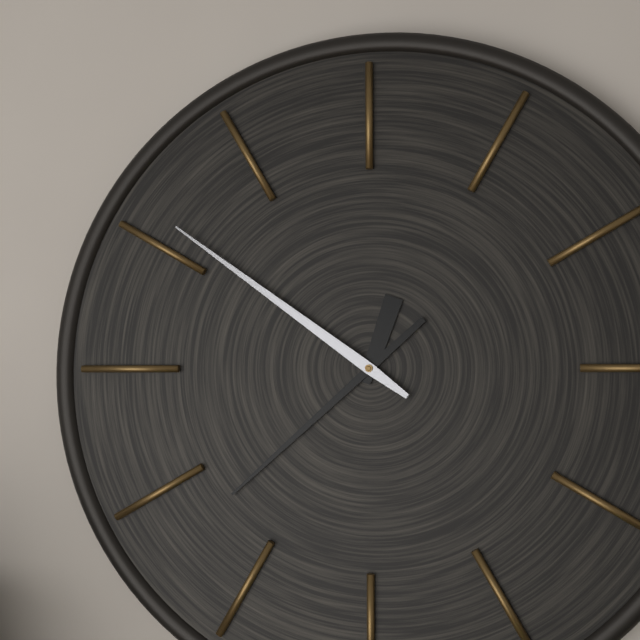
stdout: 12:38:51
